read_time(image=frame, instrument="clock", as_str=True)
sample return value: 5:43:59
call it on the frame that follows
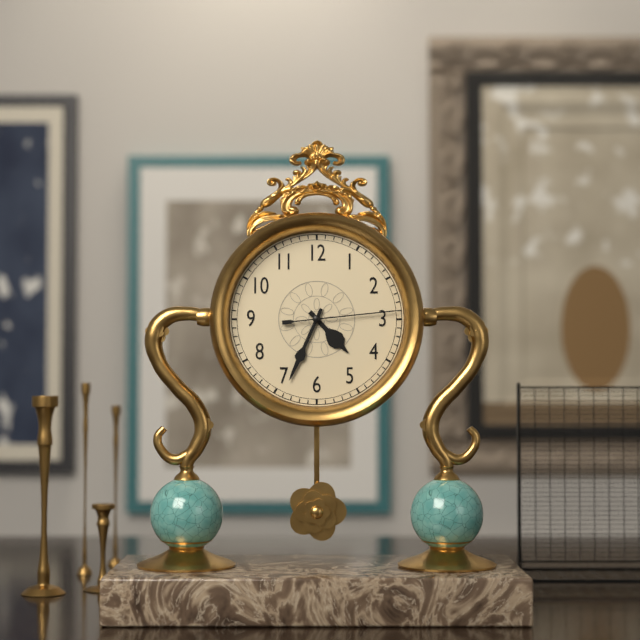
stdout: 4:34:14
